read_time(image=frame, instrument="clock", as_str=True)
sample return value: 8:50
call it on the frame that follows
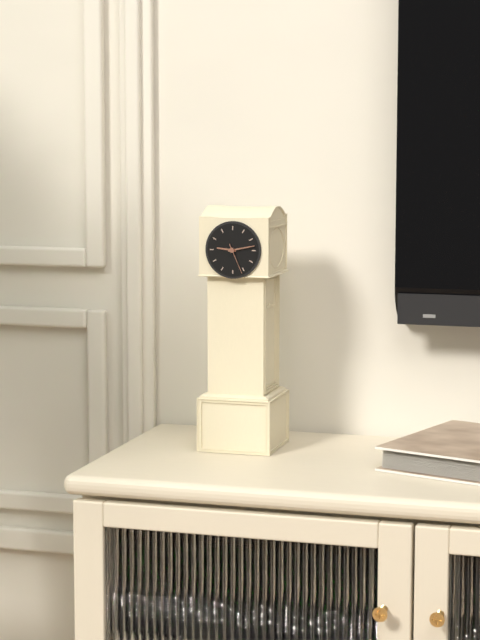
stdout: 9:13
